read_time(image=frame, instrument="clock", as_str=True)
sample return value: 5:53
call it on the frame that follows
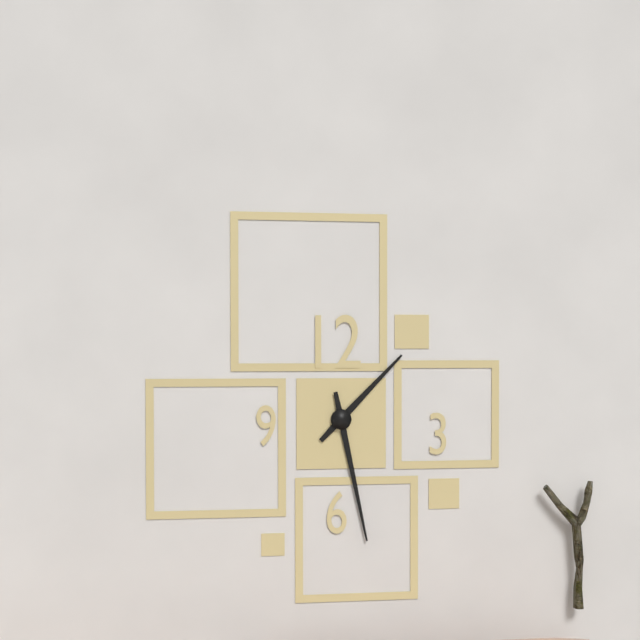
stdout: 1:28
